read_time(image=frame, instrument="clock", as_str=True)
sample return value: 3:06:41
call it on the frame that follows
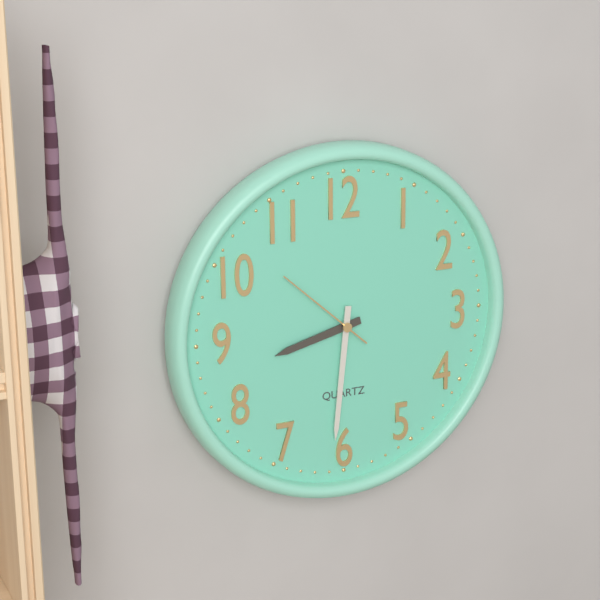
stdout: 8:31:52
